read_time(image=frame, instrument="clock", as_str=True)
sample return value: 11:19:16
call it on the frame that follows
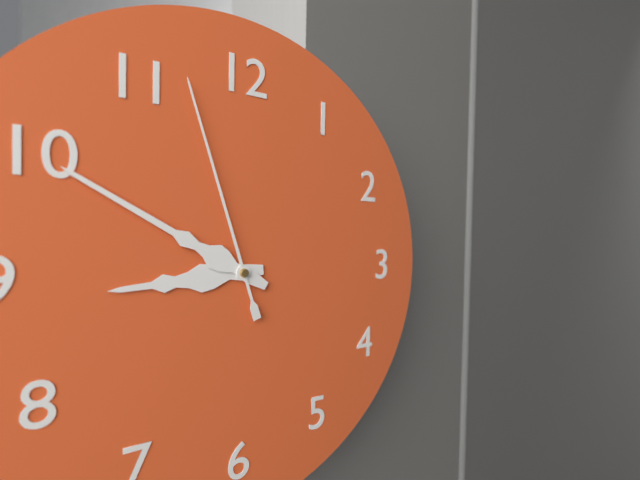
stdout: 8:50:57
